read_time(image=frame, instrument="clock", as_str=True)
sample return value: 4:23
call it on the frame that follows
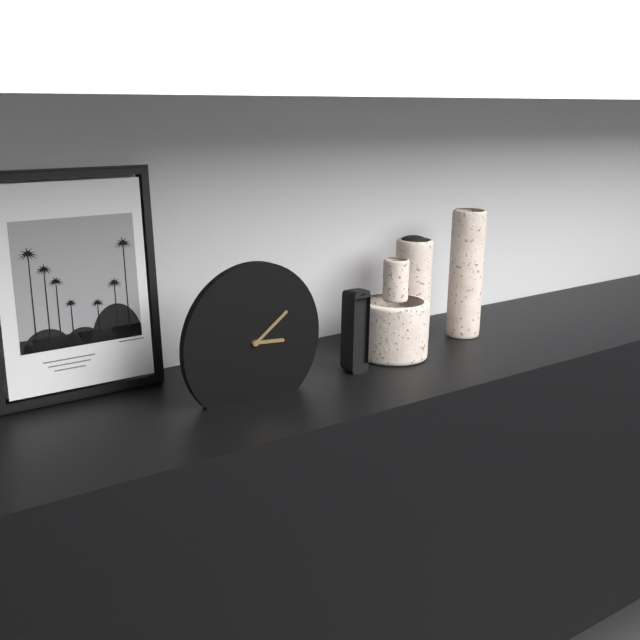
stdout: 3:09
